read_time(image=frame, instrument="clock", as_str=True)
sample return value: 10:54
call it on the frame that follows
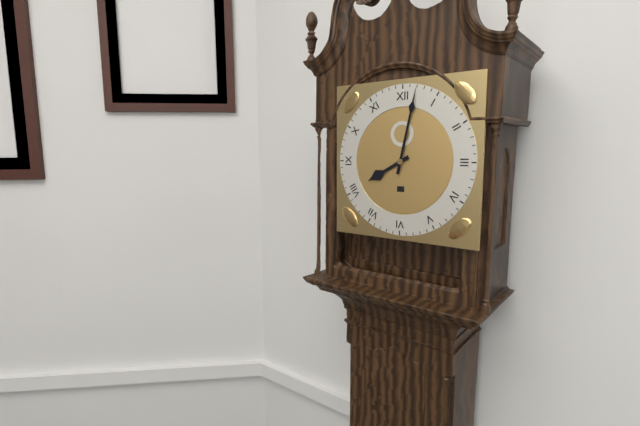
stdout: 8:02
